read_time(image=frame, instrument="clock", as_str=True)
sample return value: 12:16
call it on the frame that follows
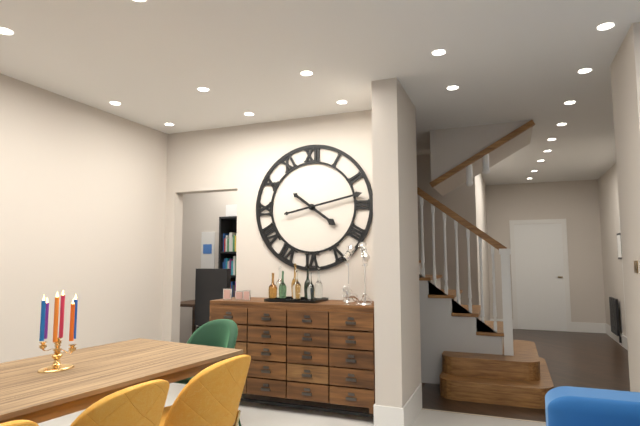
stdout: 4:13
